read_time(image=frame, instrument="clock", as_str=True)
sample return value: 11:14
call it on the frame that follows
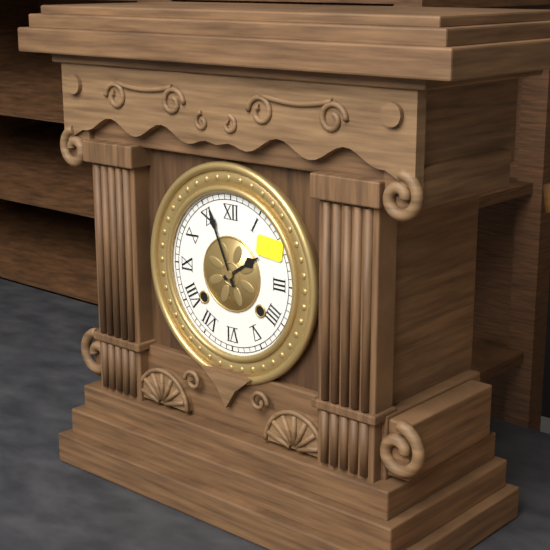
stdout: 1:56
